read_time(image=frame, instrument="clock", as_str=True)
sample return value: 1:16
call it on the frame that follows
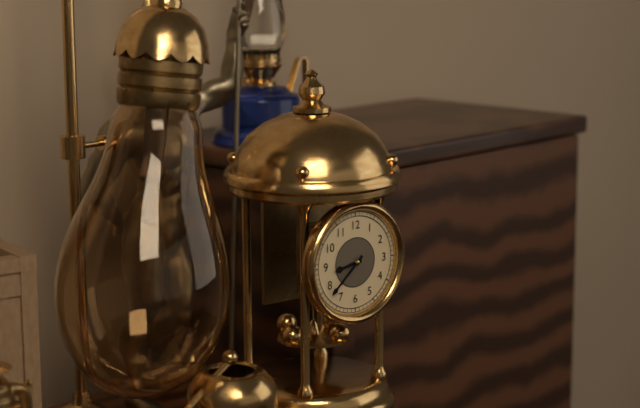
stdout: 8:38
